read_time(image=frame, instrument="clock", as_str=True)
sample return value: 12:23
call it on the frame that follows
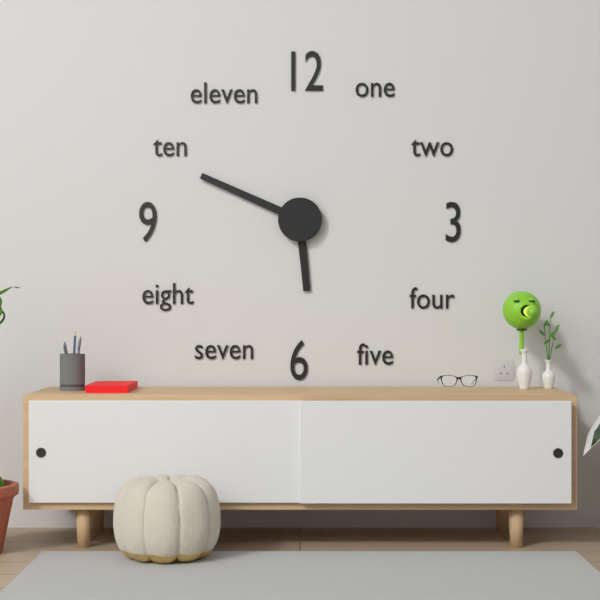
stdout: 5:49
